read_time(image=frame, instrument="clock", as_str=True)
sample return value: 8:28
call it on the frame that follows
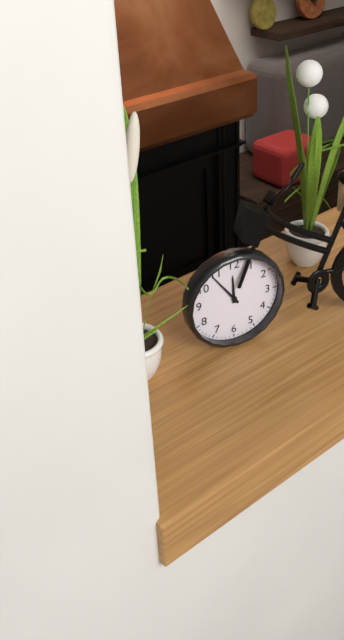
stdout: 11:54
